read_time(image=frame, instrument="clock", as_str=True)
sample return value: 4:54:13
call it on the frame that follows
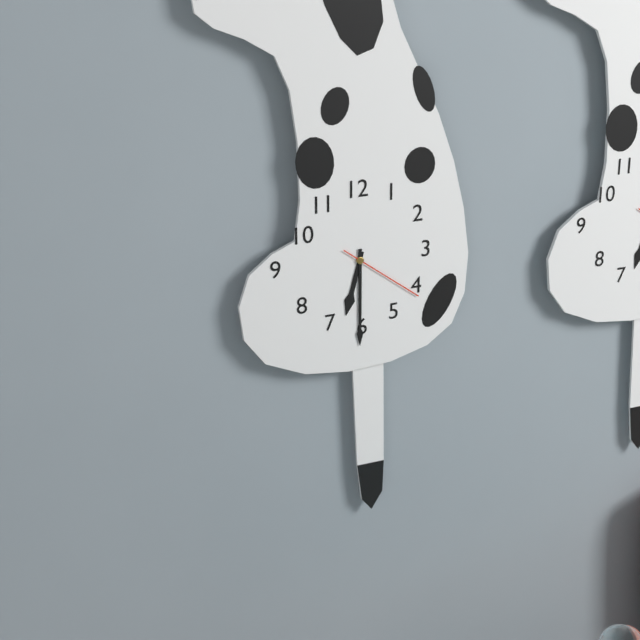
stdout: 6:30:21
